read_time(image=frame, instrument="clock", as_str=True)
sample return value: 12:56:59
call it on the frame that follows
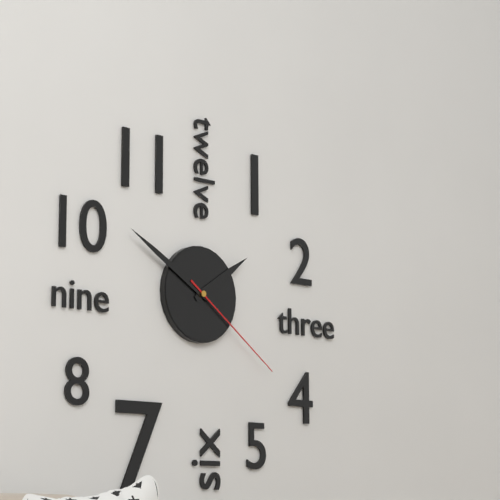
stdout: 1:50:21
